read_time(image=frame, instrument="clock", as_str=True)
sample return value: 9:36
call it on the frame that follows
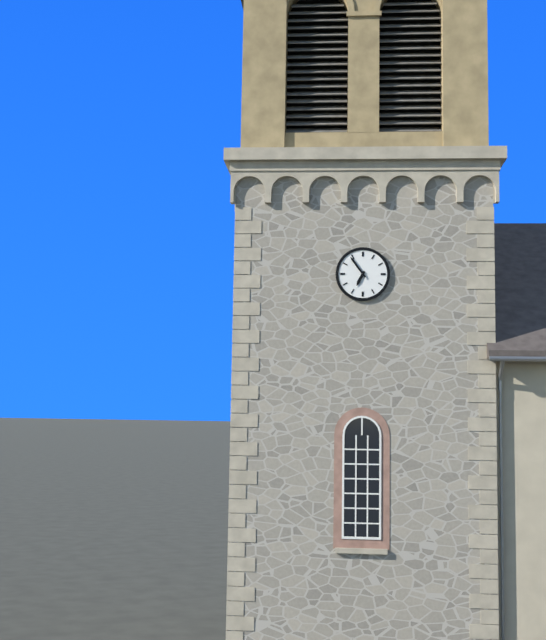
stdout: 6:54
